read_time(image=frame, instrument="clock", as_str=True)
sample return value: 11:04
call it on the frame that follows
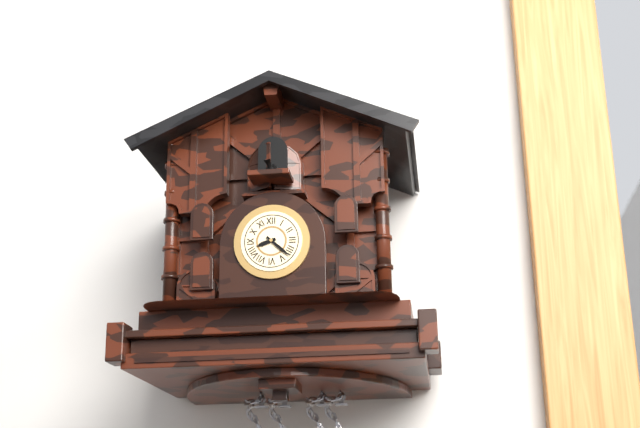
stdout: 8:22
